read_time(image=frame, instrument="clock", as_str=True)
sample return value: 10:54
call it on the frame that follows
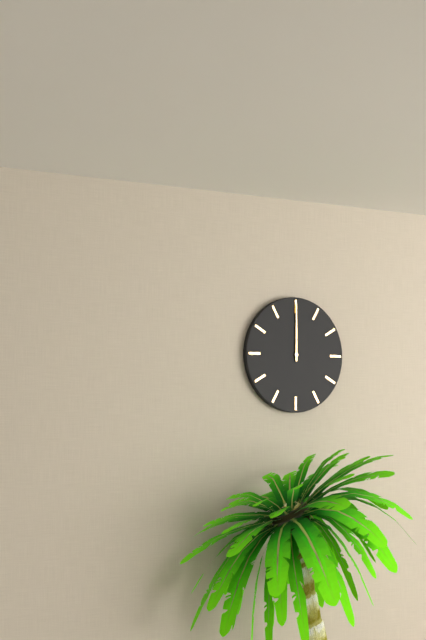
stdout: 12:00
